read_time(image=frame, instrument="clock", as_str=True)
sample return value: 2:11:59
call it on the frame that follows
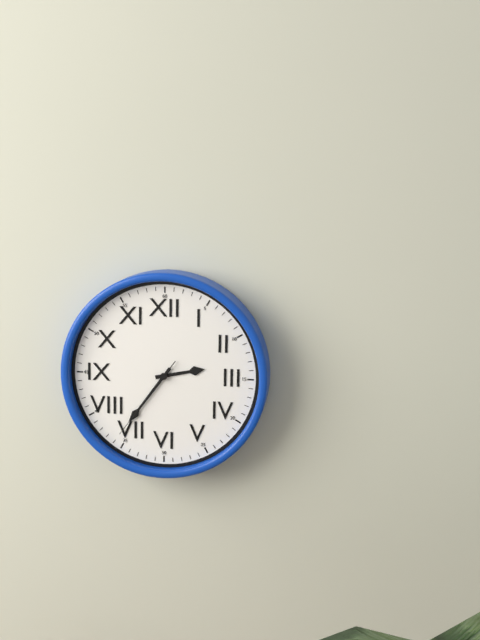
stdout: 2:36:36
